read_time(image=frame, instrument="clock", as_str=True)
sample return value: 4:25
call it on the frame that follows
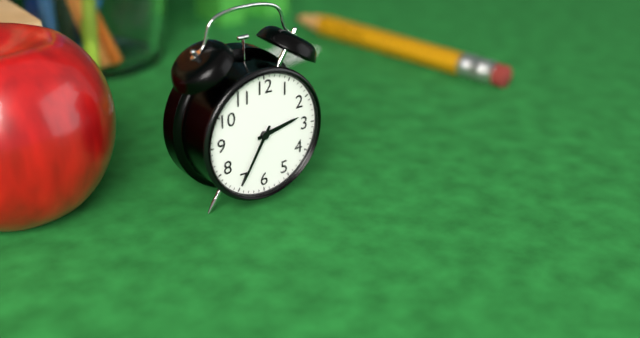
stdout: 2:35
